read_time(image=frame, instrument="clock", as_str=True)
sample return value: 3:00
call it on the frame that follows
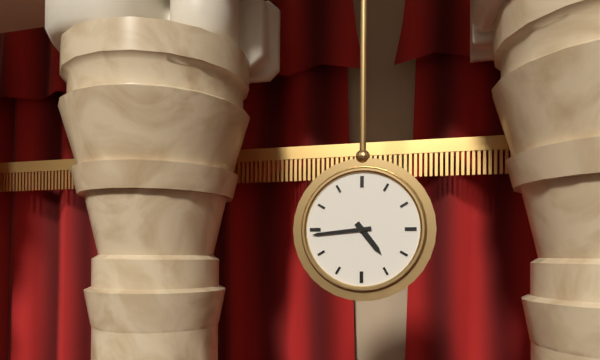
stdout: 4:44
